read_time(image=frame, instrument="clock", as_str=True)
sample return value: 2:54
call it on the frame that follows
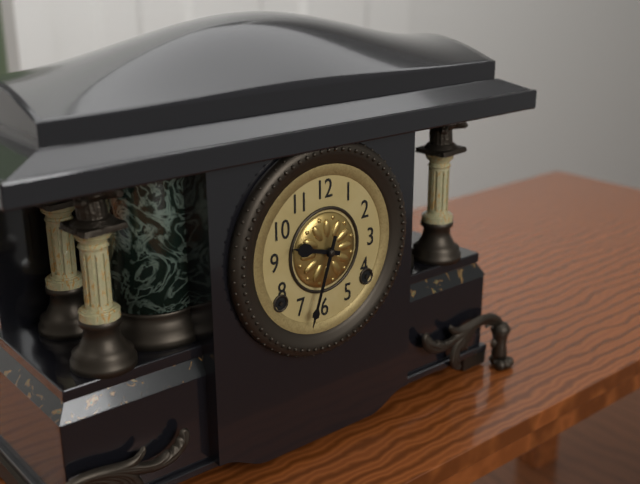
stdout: 9:33
